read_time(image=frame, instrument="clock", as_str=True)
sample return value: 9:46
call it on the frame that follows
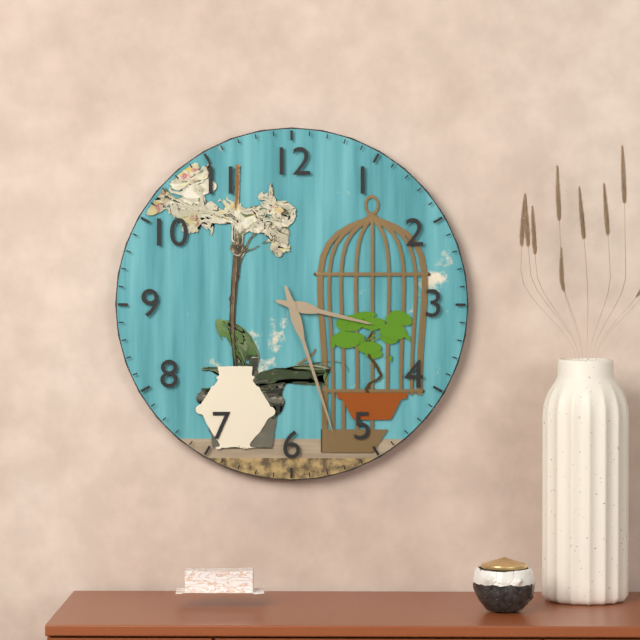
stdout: 3:27
